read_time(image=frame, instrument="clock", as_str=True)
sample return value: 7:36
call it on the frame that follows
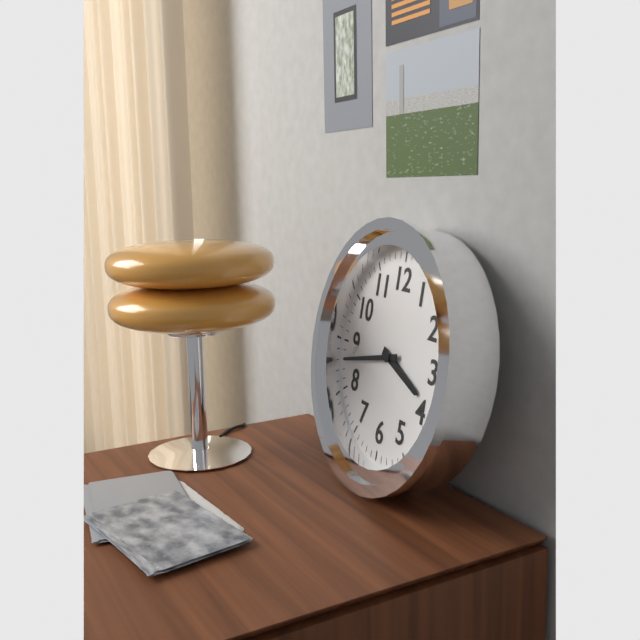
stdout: 3:43
